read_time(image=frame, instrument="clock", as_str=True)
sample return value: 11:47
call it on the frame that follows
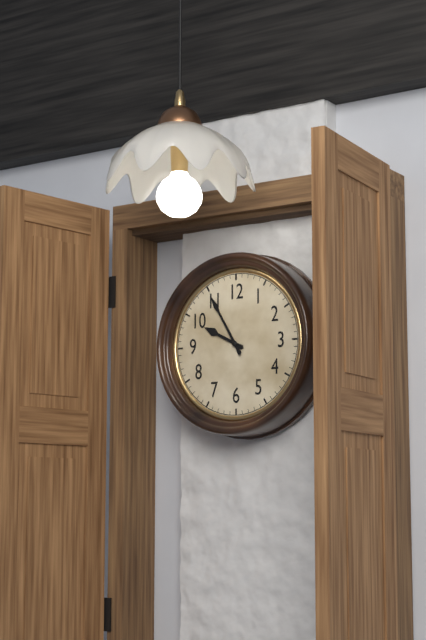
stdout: 9:55
